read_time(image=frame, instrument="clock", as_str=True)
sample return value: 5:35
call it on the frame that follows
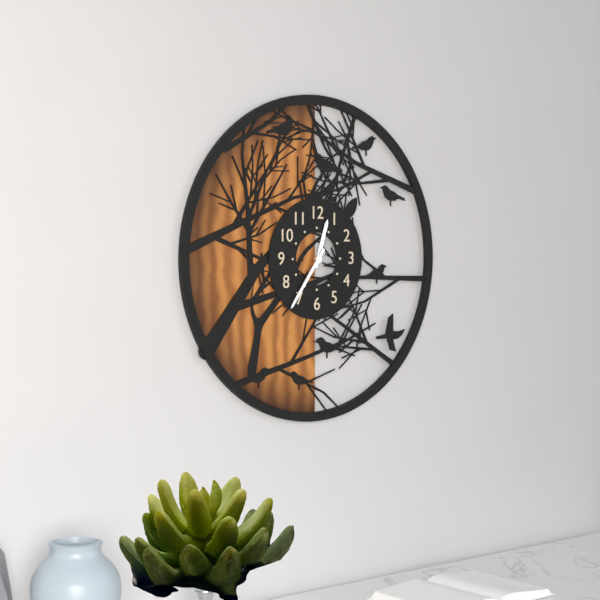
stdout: 12:36
